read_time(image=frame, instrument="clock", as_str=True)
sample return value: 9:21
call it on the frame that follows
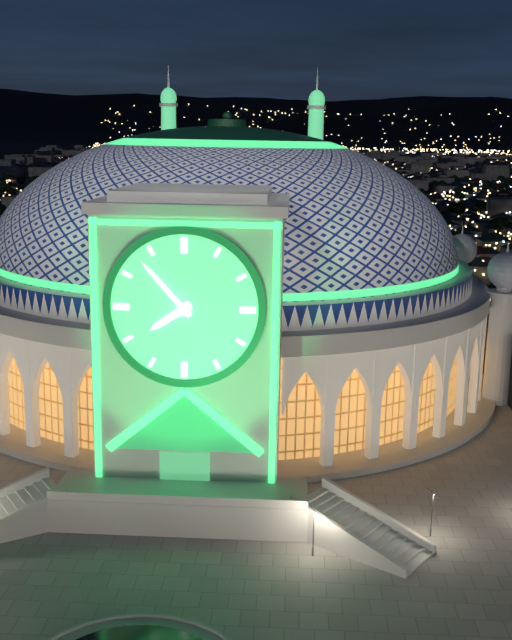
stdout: 7:53
